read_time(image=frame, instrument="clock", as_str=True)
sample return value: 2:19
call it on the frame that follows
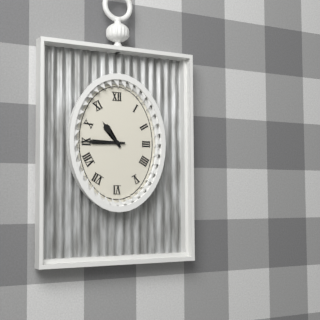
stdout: 10:45
